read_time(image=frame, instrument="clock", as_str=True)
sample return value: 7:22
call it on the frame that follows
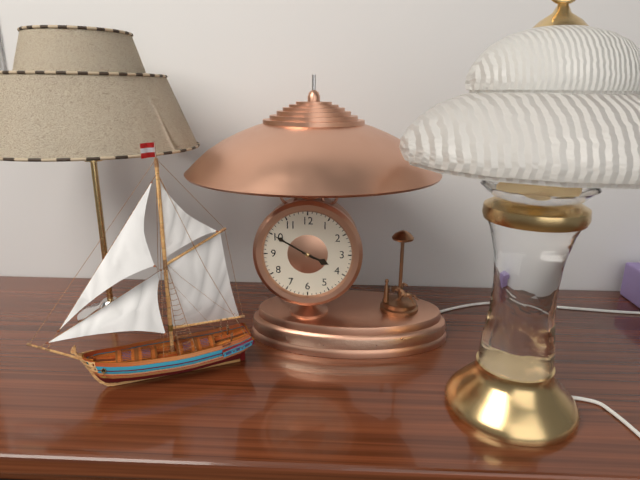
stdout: 3:50
